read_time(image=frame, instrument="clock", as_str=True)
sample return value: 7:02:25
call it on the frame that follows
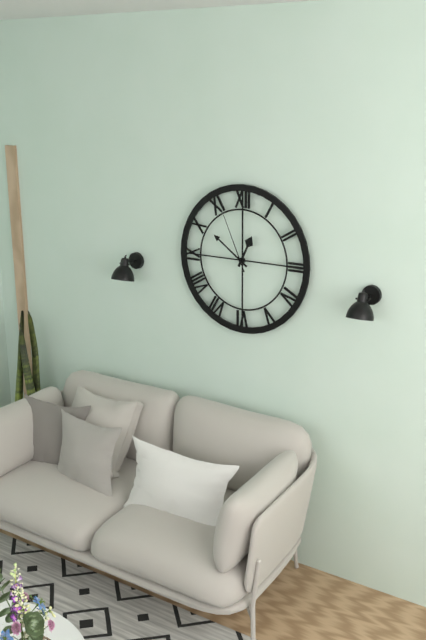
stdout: 12:51:56
